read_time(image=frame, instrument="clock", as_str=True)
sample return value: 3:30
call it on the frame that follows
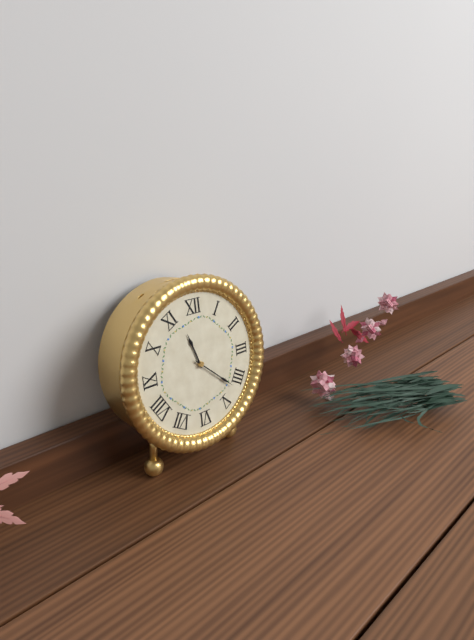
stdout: 11:22
